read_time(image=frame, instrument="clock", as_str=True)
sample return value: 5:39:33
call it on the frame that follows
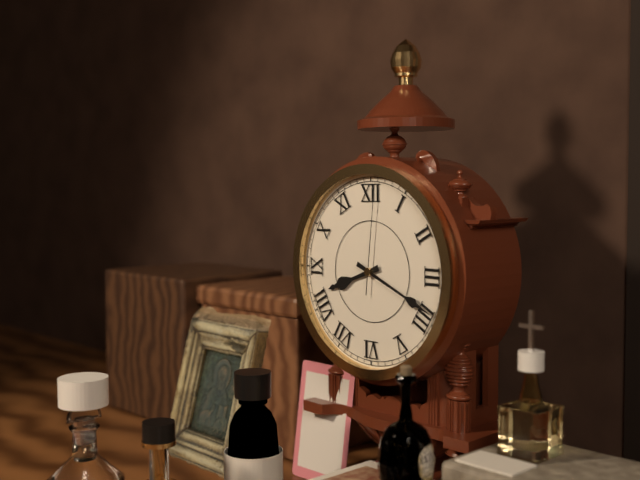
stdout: 8:19:01
